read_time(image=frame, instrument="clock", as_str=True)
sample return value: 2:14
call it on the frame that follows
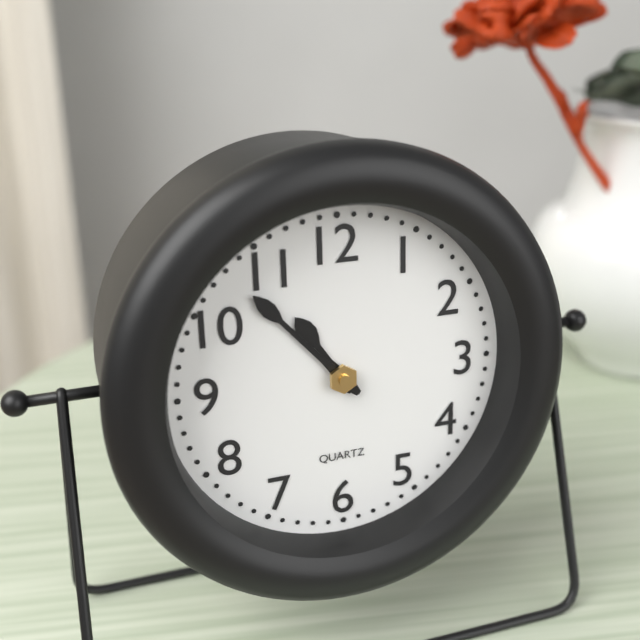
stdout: 10:53
